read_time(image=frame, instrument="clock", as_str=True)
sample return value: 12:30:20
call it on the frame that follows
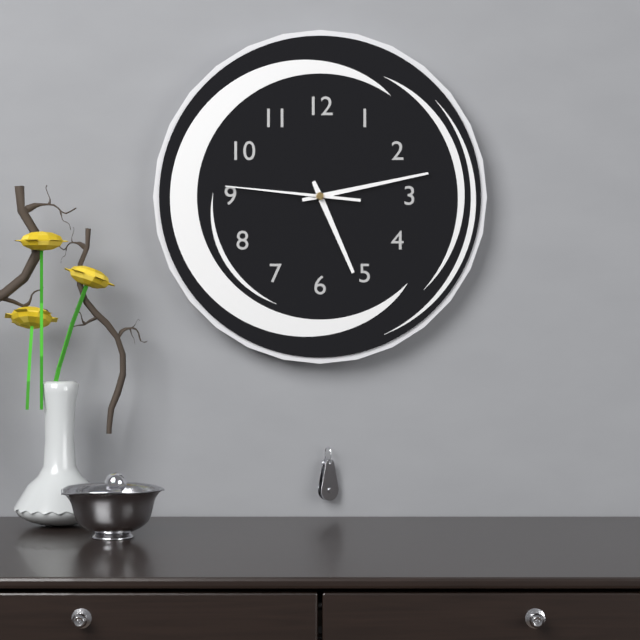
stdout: 5:13:46
